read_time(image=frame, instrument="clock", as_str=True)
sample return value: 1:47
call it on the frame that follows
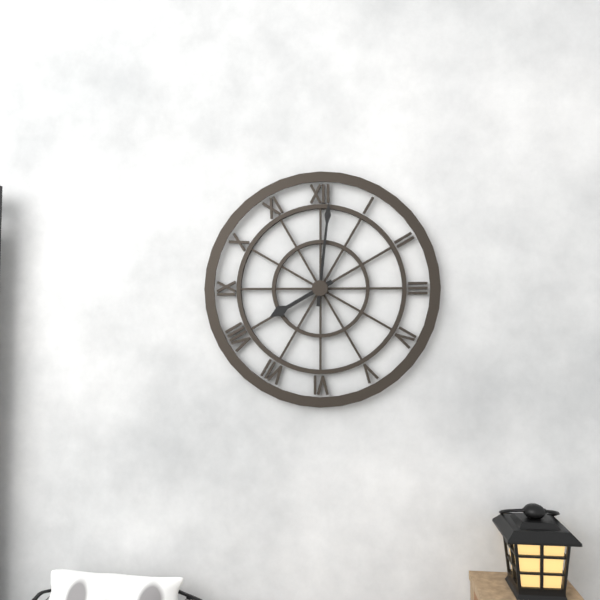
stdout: 8:01
